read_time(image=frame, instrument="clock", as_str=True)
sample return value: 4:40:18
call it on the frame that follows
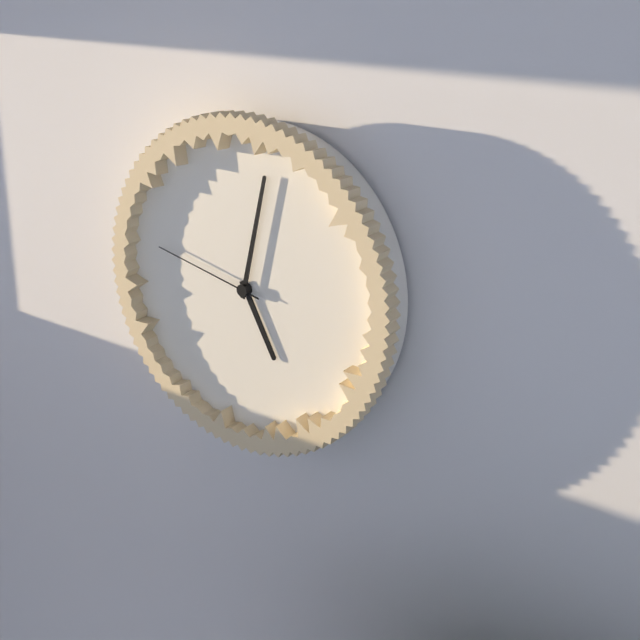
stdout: 5:02:47
